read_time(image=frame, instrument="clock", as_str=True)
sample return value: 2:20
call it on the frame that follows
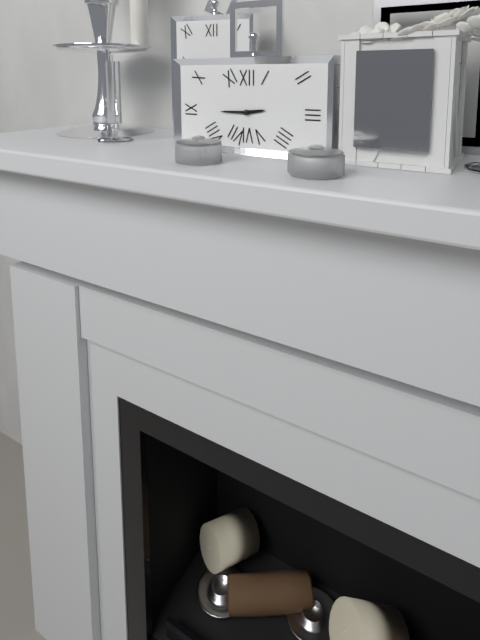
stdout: 2:45
